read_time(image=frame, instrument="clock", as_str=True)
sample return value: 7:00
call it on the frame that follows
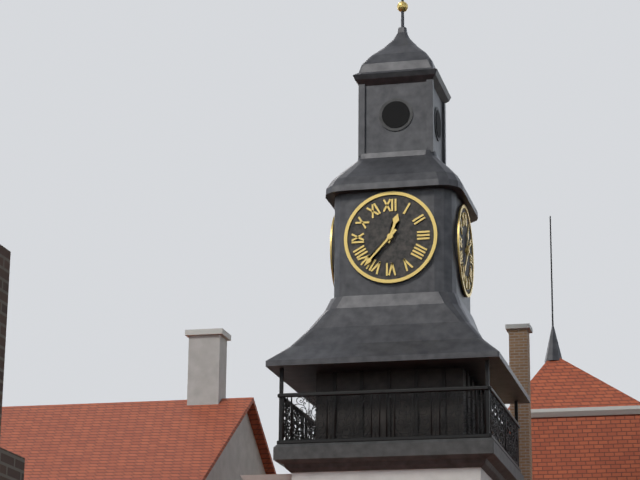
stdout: 12:37
